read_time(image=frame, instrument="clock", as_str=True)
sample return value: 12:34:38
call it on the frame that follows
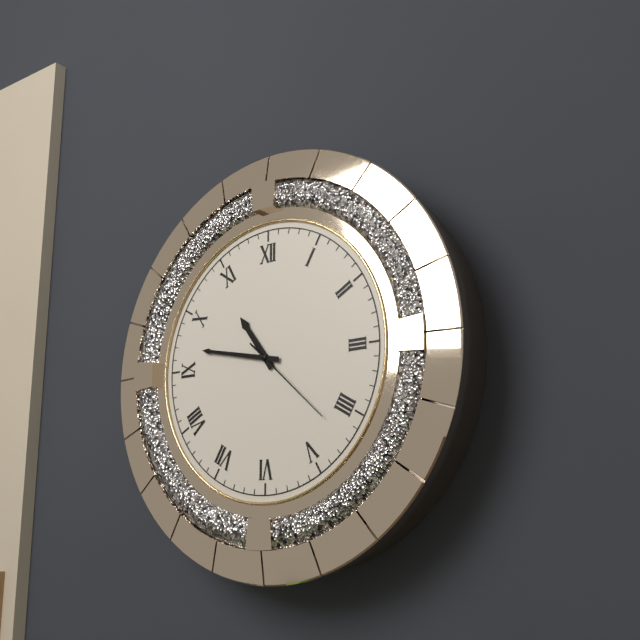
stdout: 10:47:22
